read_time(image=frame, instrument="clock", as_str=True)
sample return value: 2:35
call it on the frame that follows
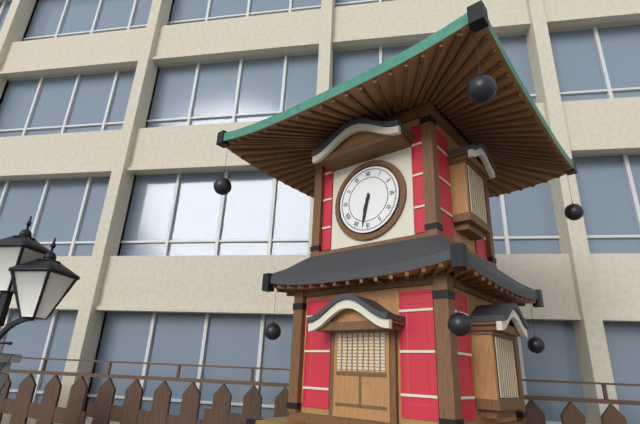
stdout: 6:32
